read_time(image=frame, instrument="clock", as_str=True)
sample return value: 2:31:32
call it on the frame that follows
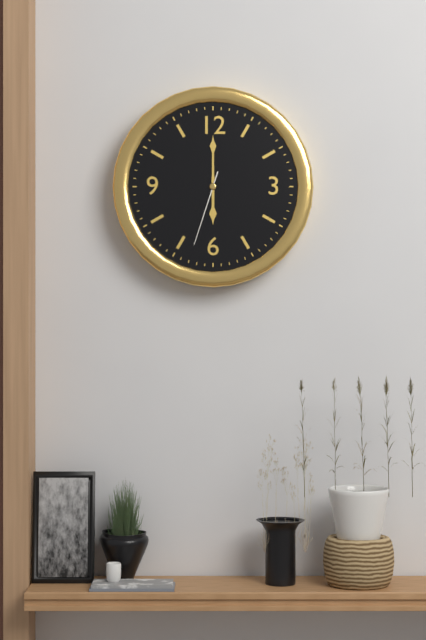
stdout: 6:00:33
